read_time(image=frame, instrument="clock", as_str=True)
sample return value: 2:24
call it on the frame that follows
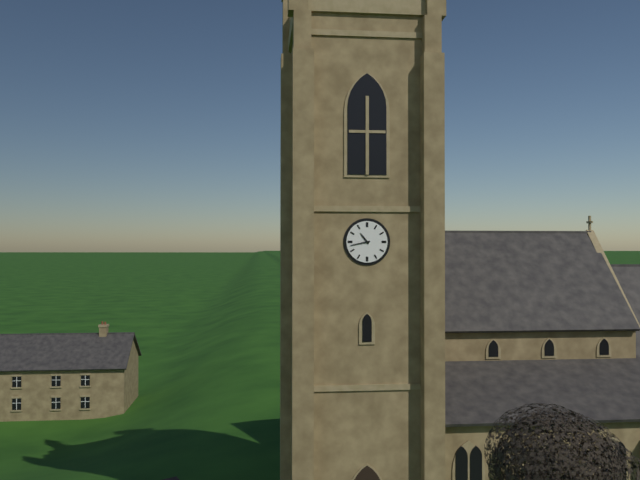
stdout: 10:43
